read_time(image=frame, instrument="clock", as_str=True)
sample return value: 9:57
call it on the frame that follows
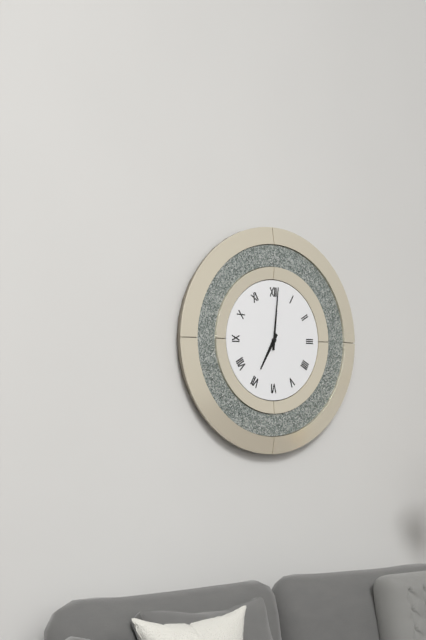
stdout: 7:01
